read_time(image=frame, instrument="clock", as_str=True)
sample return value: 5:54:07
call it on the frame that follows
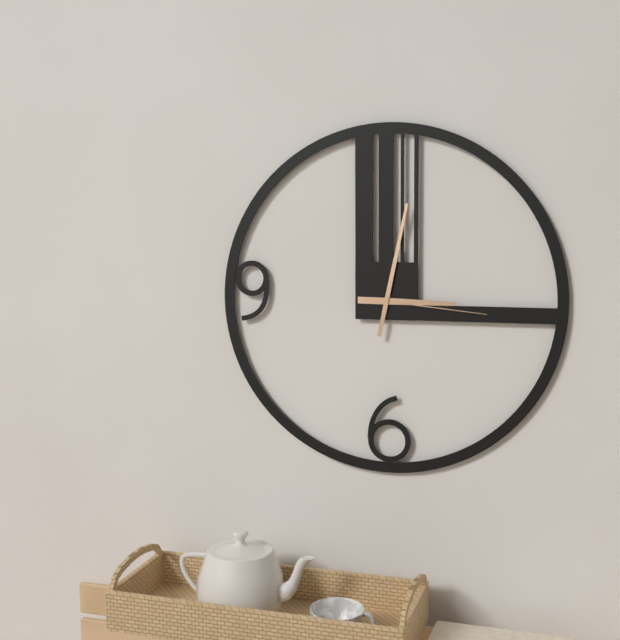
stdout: 3:02:16
